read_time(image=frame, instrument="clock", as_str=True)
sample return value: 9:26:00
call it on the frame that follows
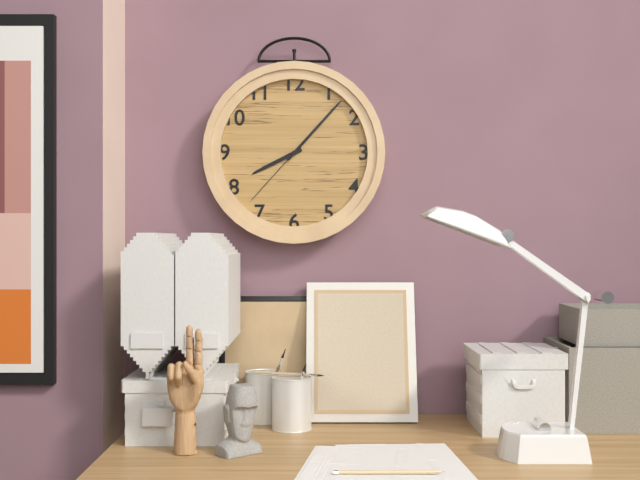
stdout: 8:07:37
